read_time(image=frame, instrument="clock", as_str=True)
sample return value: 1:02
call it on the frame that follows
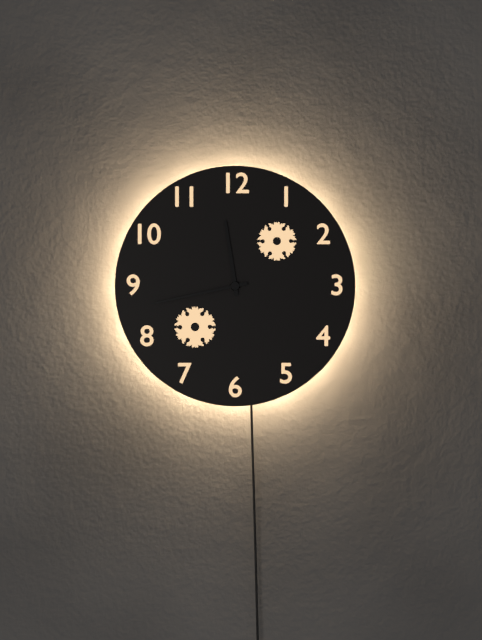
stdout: 11:43
